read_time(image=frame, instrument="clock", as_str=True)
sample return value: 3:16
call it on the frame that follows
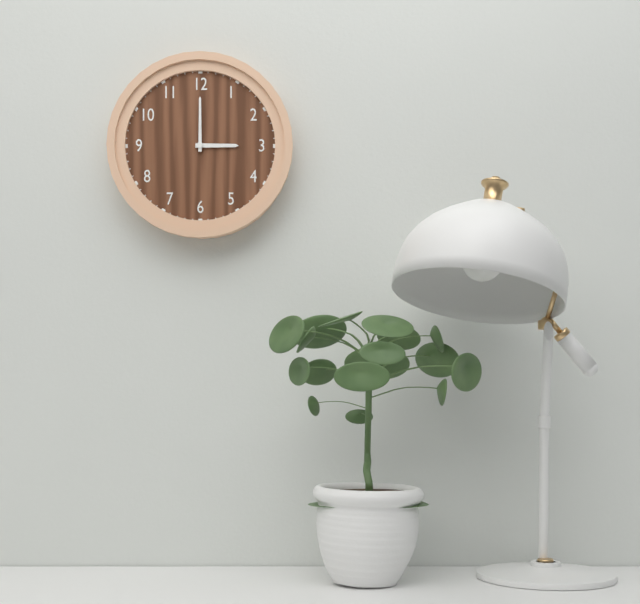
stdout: 3:00
